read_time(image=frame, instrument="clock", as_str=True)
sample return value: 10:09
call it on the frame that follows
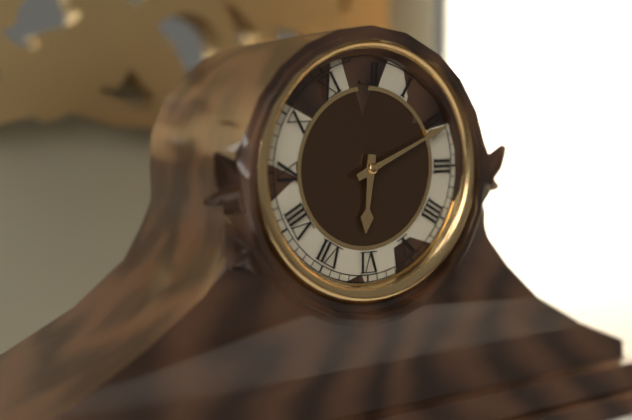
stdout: 6:11
